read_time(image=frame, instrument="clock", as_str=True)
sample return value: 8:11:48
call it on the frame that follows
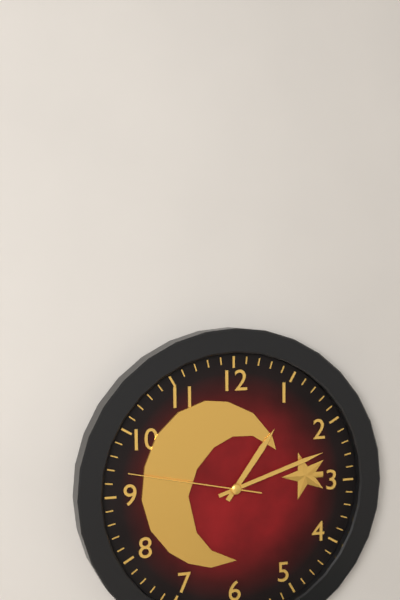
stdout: 1:12:47
